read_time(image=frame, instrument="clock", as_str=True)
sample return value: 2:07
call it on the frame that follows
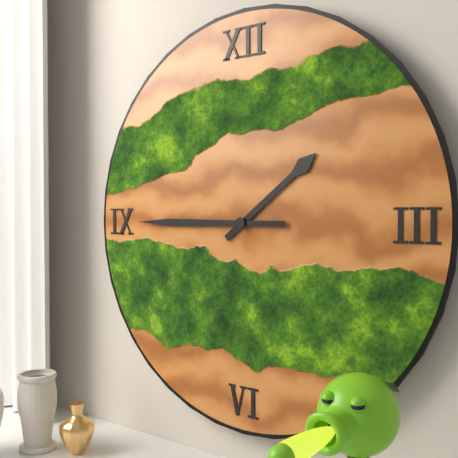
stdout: 1:45
